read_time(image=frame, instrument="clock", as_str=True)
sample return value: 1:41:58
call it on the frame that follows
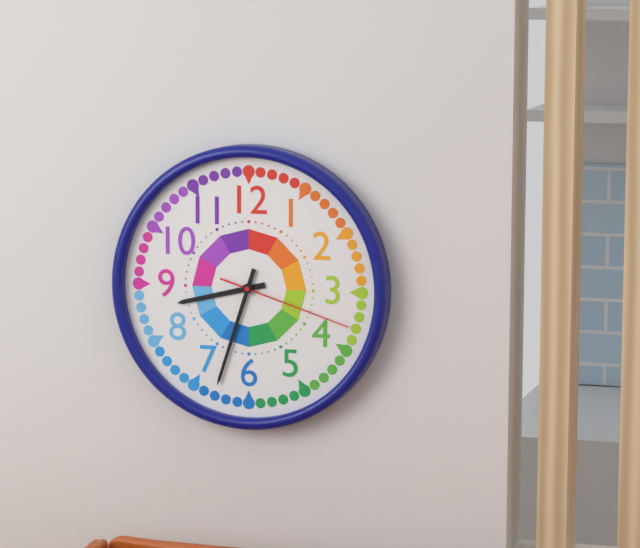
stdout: 8:33:18
